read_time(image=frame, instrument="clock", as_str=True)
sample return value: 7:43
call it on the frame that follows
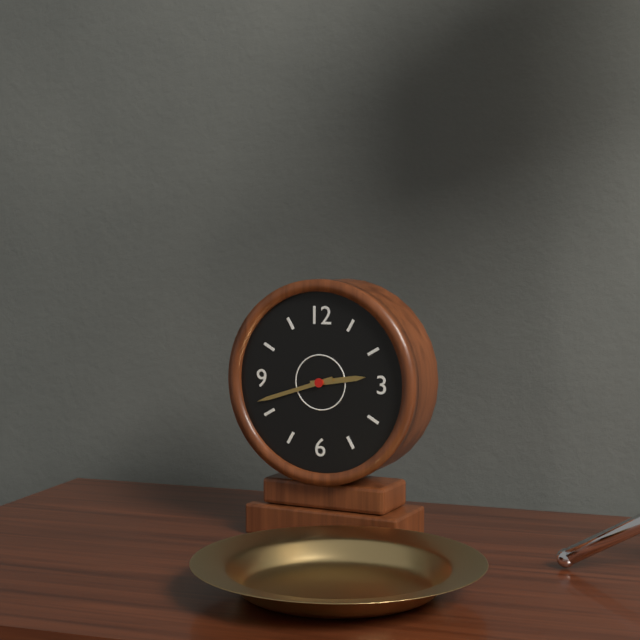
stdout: 2:42
